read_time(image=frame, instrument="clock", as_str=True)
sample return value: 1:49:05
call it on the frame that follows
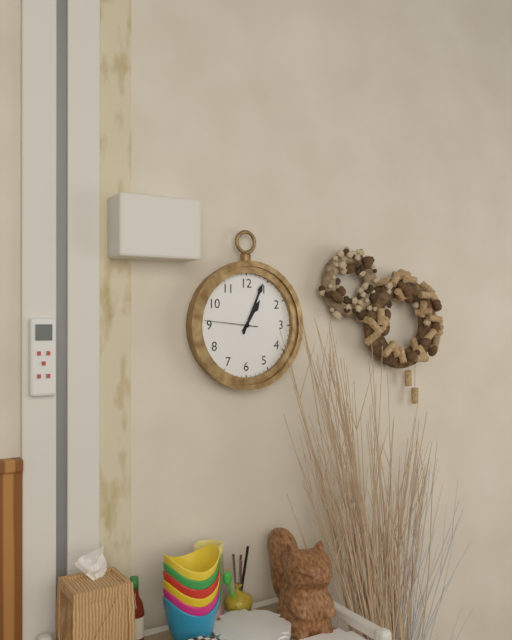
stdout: 1:04:46
